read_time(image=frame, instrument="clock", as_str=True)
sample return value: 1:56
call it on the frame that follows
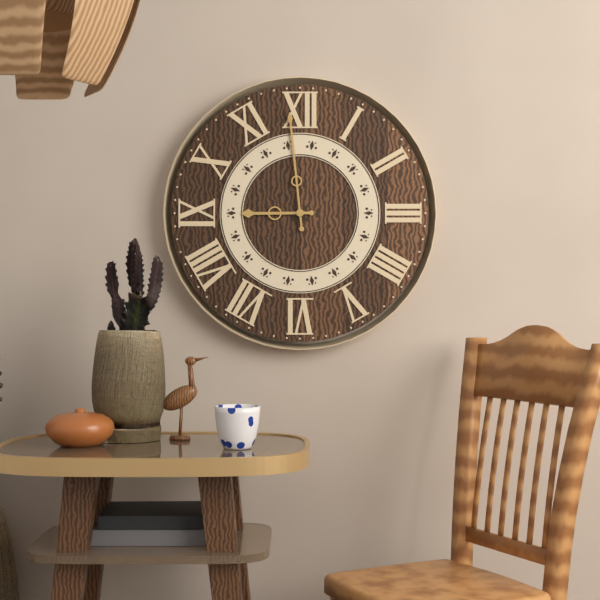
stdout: 8:59
